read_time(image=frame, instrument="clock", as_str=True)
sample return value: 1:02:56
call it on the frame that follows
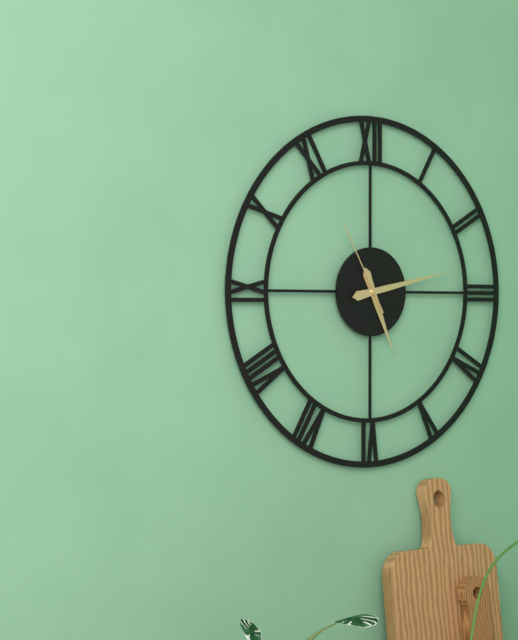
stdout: 5:13:55
